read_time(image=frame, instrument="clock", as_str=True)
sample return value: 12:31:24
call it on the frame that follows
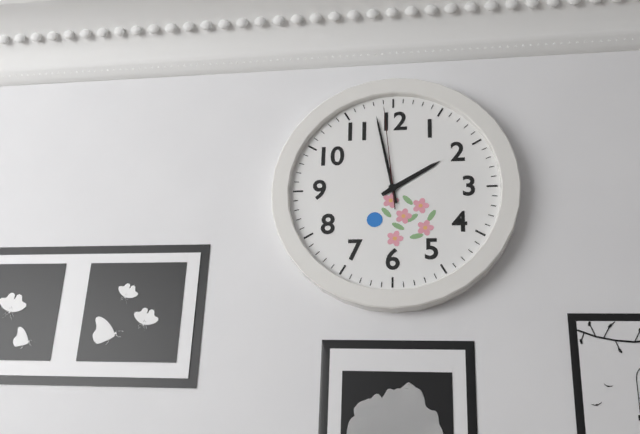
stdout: 1:58:59
